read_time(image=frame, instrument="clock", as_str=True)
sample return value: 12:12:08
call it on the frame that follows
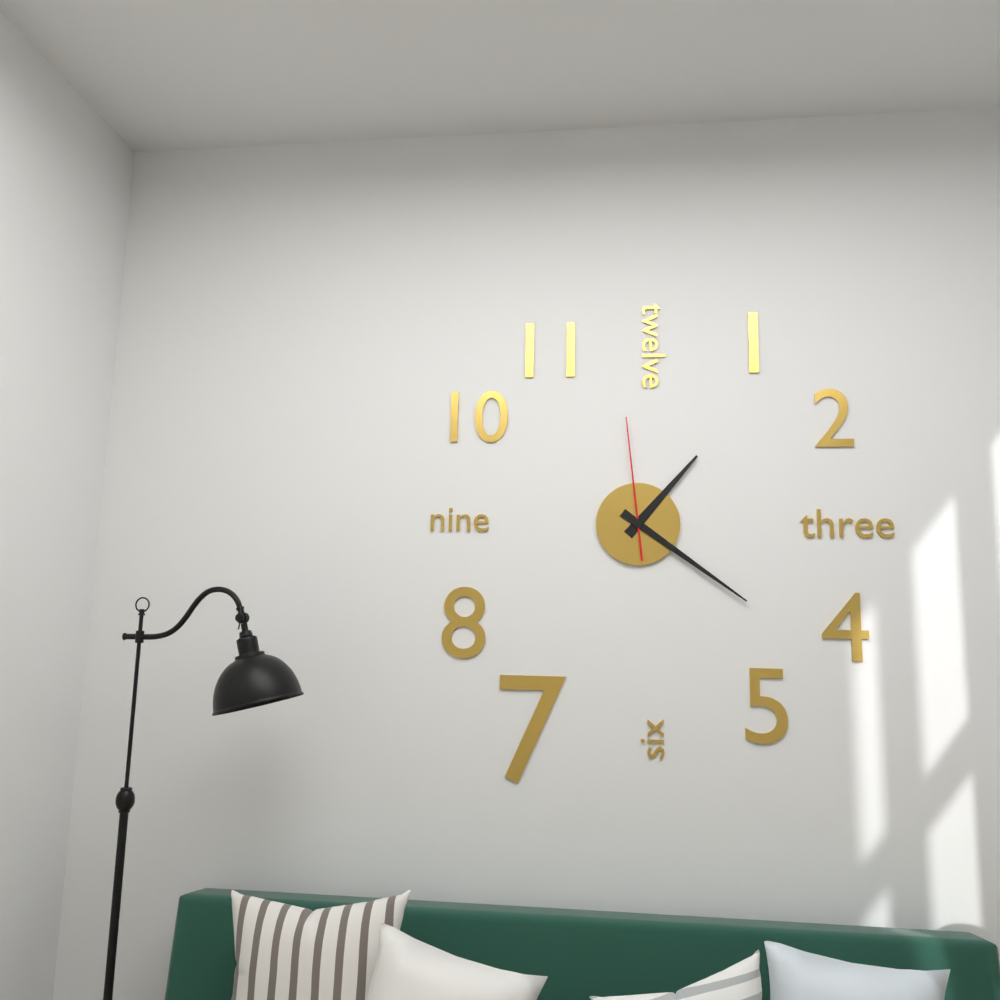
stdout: 1:21:59
